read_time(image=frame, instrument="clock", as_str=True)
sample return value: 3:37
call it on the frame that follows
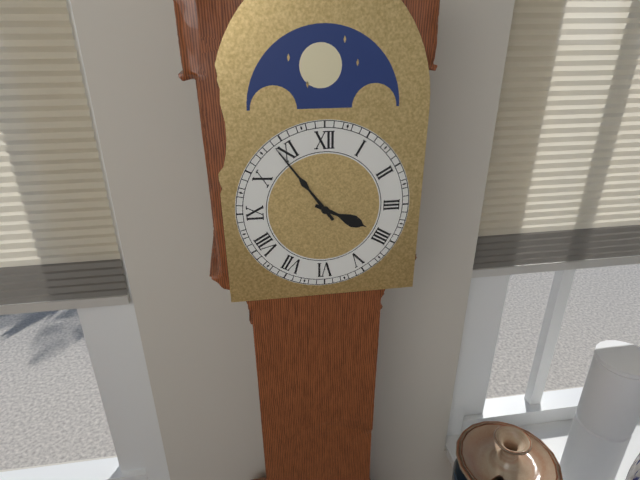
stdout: 3:54
